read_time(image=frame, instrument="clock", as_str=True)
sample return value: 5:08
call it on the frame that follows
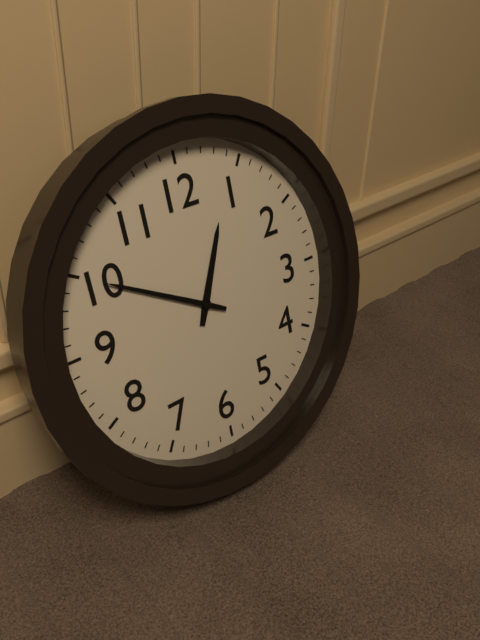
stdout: 12:50
